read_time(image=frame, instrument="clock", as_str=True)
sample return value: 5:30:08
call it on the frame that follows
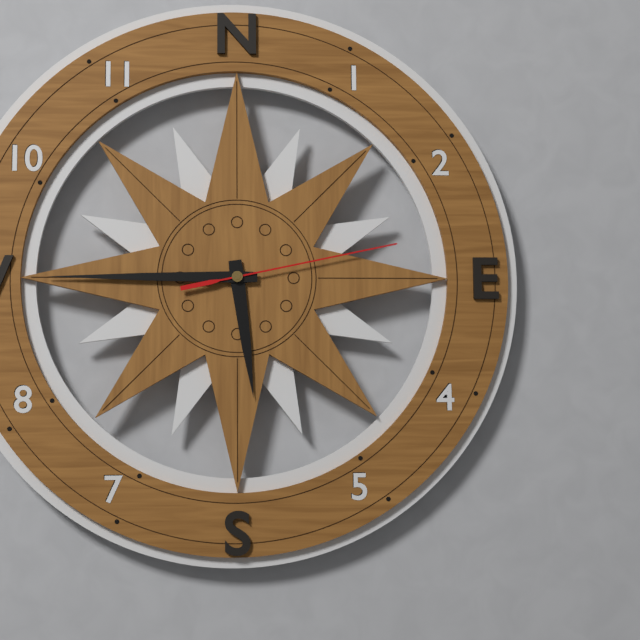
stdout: 5:45:13
